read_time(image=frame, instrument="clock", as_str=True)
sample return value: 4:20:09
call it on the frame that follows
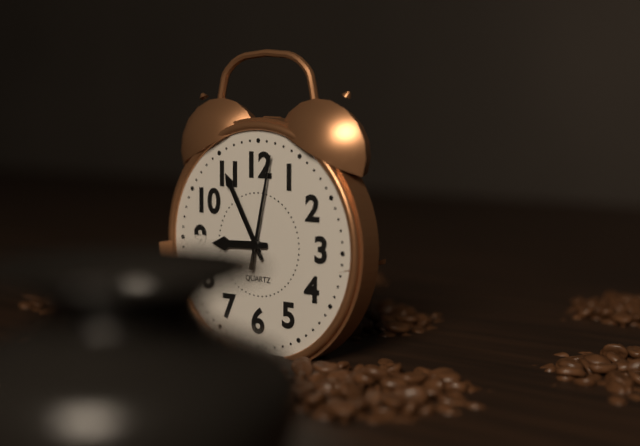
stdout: 8:55:02
